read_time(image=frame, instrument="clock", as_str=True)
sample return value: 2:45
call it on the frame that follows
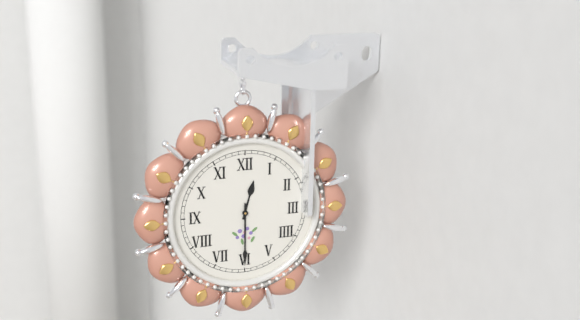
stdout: 12:30
